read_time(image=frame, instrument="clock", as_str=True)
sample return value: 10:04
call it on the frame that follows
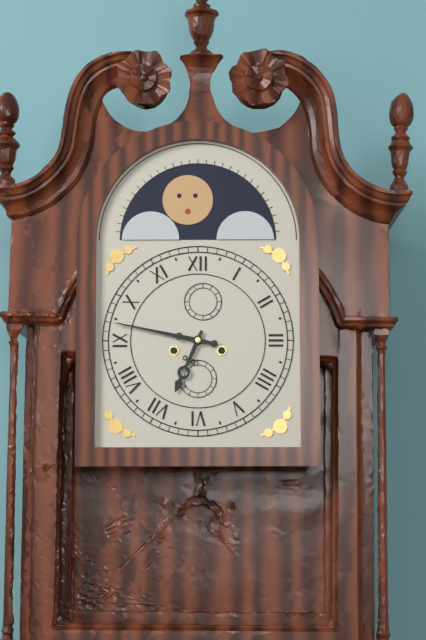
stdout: 6:47
